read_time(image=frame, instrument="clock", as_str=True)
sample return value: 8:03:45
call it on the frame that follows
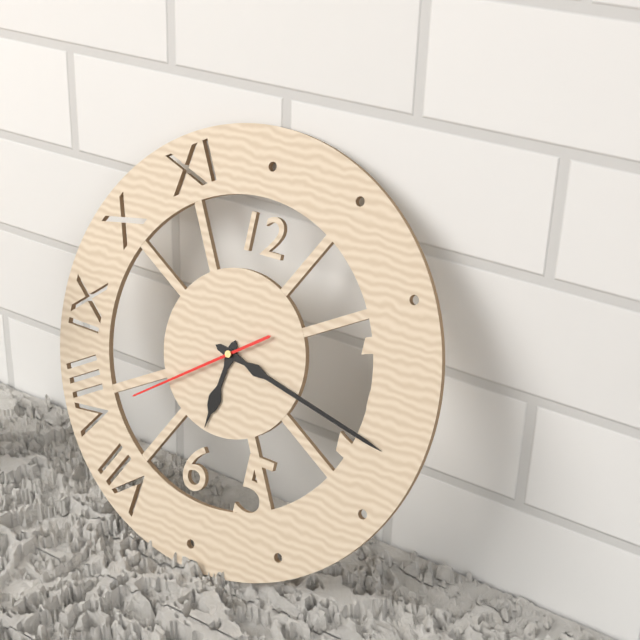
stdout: 6:17:39
